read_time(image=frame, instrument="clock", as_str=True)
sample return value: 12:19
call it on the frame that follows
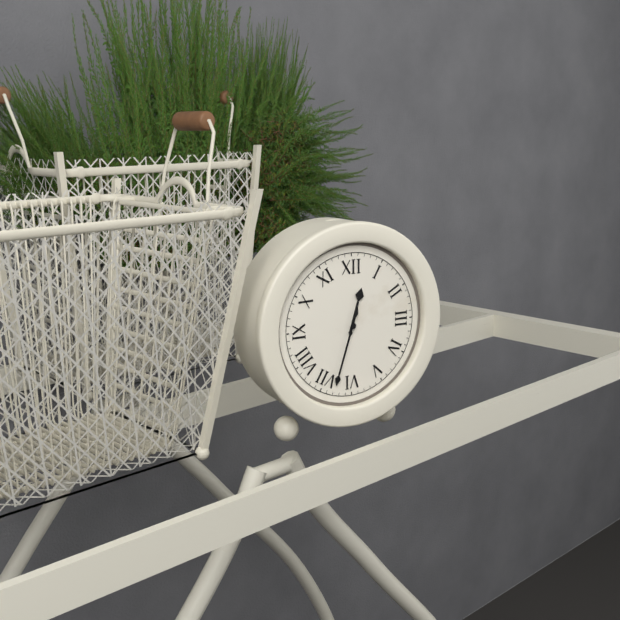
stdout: 12:33
